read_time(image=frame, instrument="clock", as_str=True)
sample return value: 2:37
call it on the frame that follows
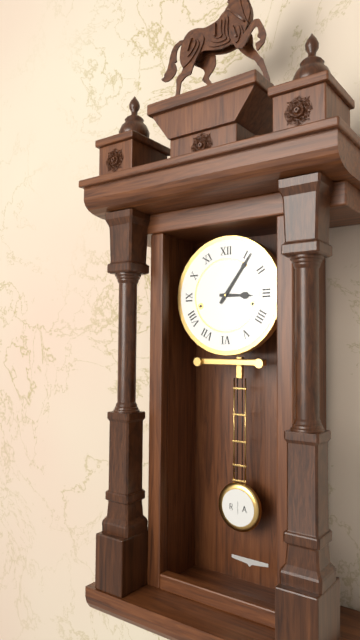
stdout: 3:06
